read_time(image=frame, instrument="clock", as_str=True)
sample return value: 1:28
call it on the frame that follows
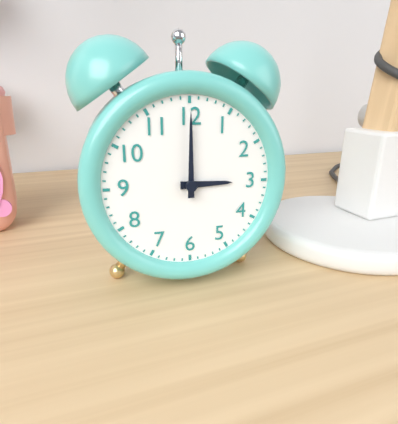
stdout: 3:00
